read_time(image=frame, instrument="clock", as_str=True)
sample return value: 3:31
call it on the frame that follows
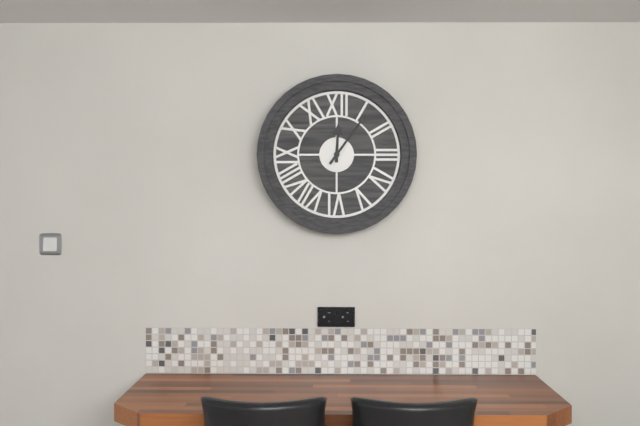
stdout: 12:06
